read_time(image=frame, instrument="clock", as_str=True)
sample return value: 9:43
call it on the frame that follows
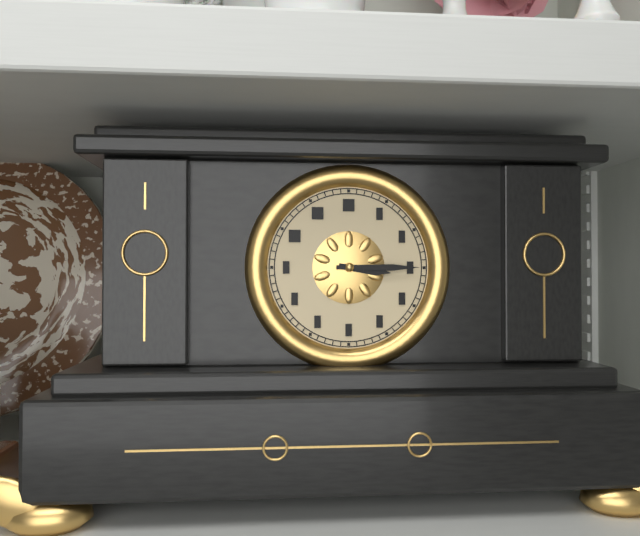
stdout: 3:15
